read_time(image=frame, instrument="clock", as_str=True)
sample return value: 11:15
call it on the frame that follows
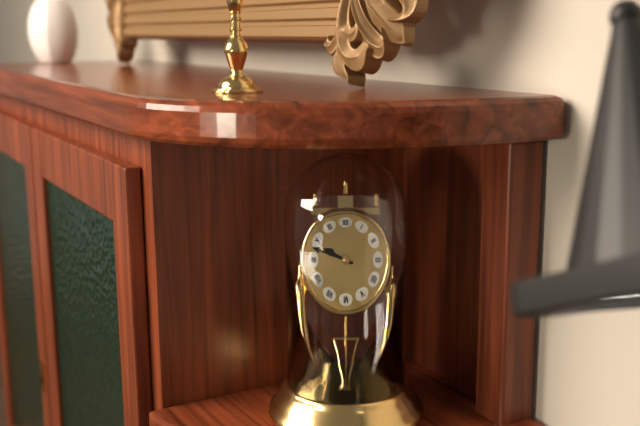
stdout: 9:48
